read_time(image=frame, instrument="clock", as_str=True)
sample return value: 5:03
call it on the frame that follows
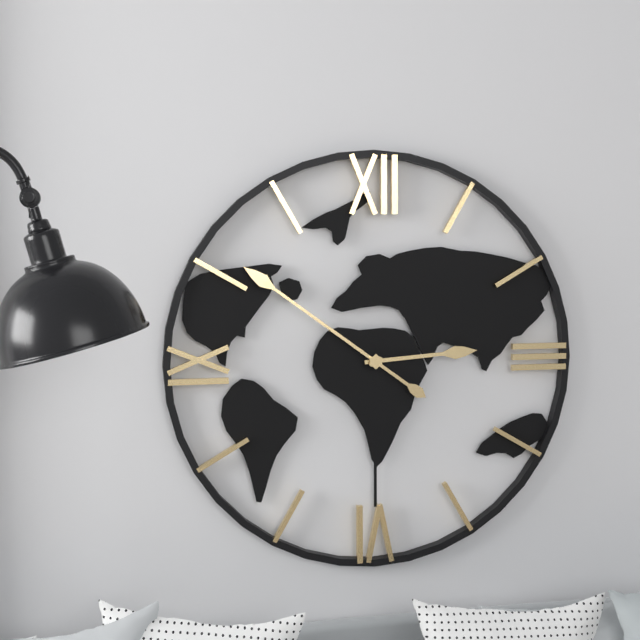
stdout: 2:51
